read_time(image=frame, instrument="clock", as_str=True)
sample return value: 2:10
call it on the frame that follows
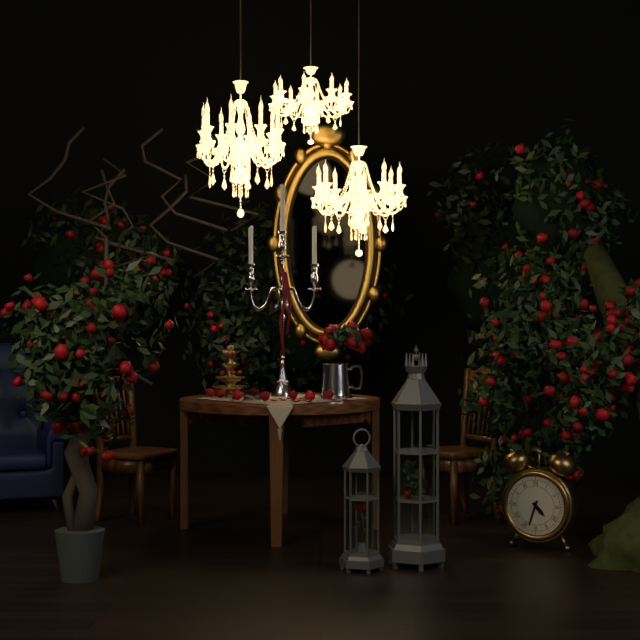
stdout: 4:33
